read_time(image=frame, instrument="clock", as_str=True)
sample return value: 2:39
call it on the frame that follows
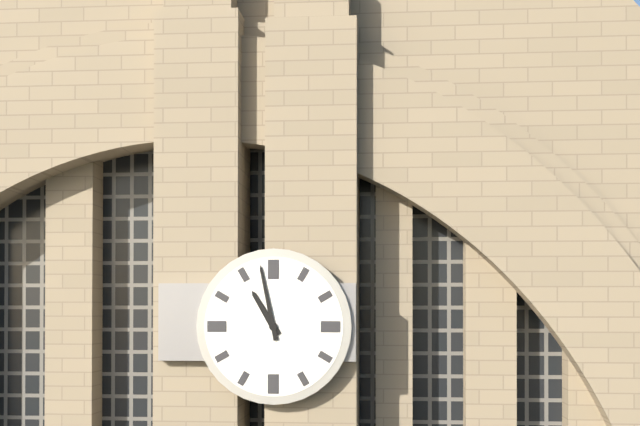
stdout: 10:58
